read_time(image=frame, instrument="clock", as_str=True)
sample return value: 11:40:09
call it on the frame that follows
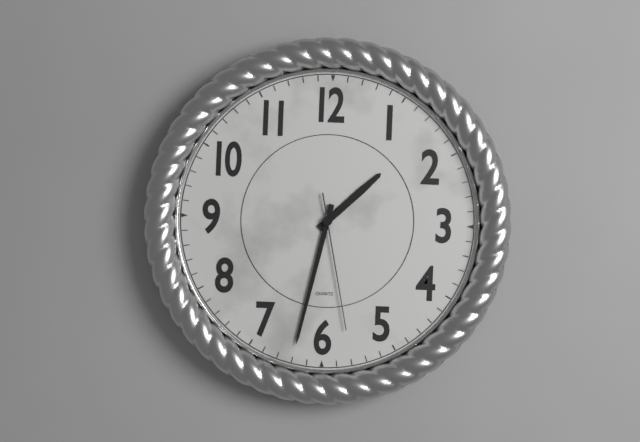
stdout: 1:32:28
